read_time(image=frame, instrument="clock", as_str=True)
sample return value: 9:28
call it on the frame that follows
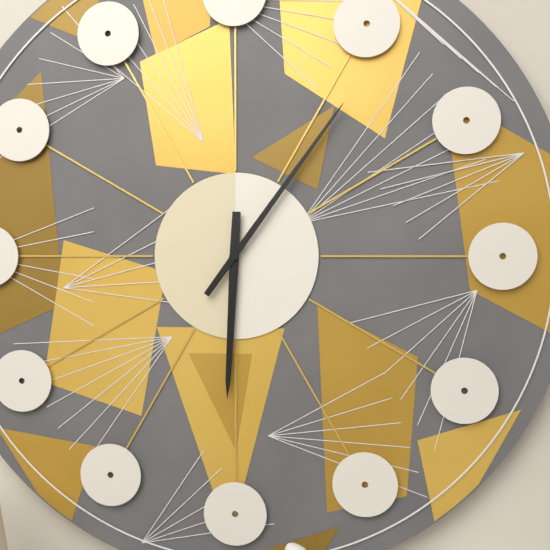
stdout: 6:06
